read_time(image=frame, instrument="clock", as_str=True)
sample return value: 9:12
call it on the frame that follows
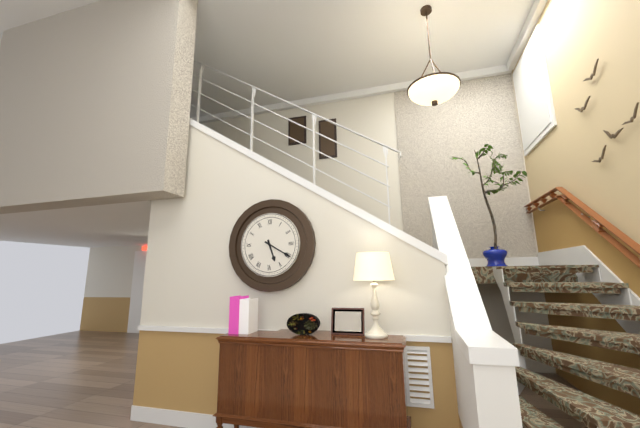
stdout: 5:20
